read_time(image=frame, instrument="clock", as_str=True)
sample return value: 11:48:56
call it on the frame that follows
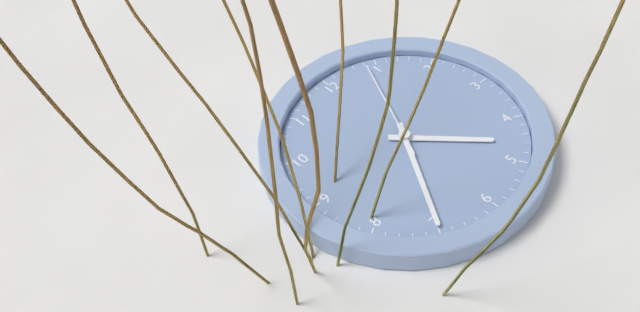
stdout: 4:35:04
